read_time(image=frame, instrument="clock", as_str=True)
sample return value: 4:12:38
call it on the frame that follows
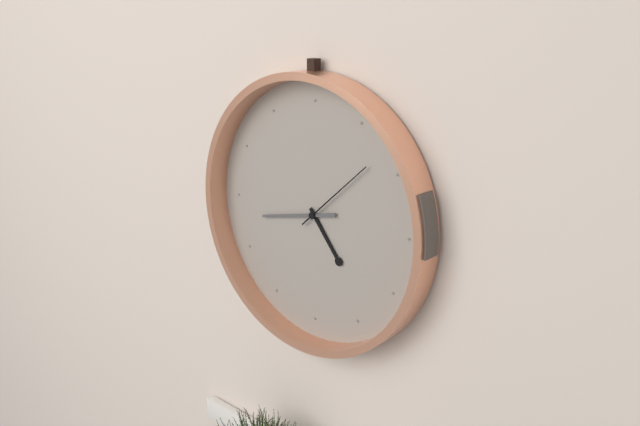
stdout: 4:43:08
